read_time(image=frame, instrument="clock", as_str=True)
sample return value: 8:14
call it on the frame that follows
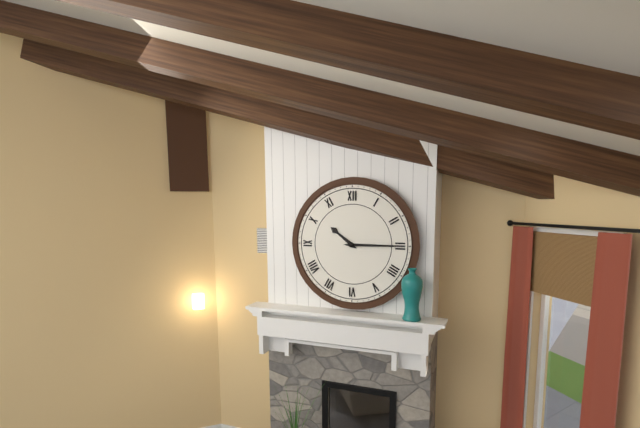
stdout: 10:15
